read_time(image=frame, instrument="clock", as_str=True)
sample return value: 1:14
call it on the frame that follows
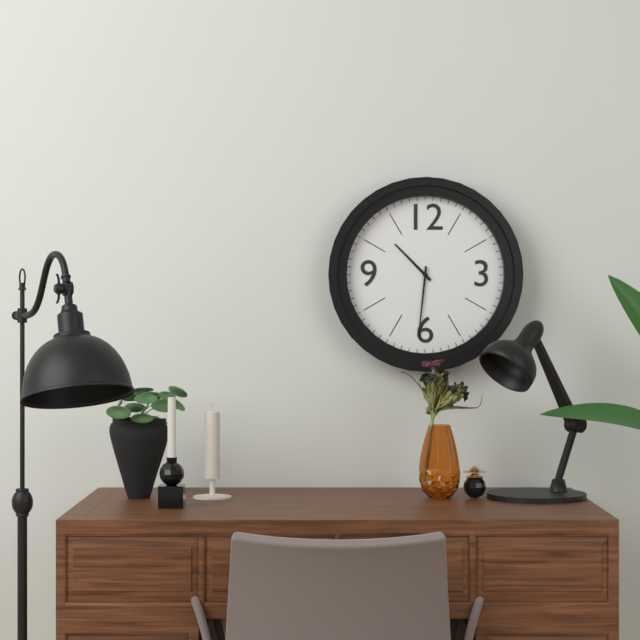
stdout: 10:31
